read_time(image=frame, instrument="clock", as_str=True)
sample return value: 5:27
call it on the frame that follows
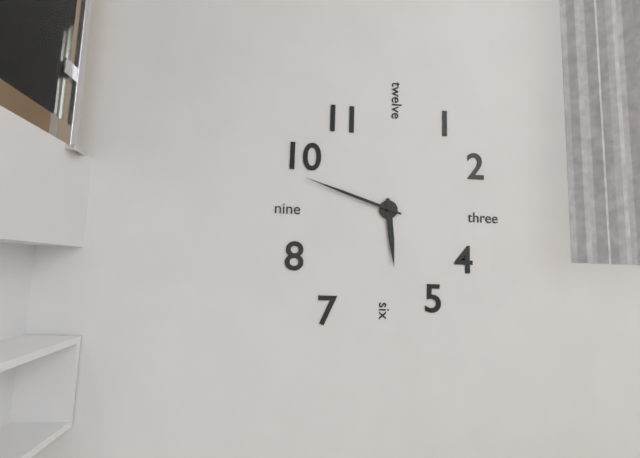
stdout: 5:48
